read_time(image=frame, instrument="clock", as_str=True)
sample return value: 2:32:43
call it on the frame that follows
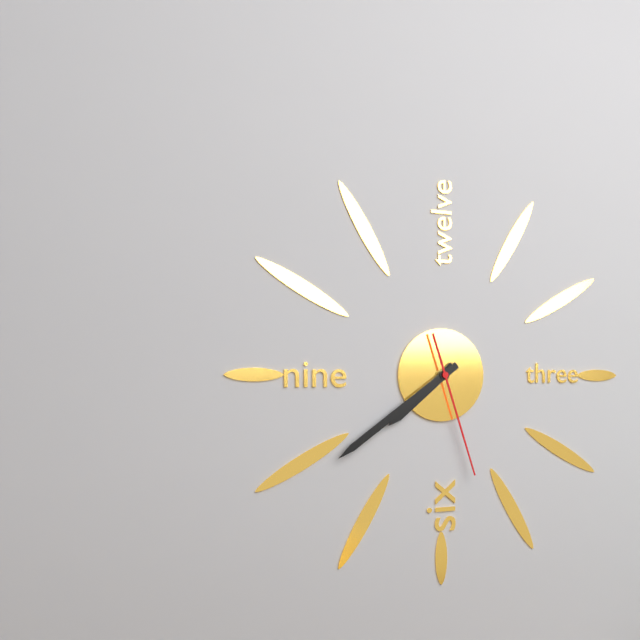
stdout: 7:39:27
